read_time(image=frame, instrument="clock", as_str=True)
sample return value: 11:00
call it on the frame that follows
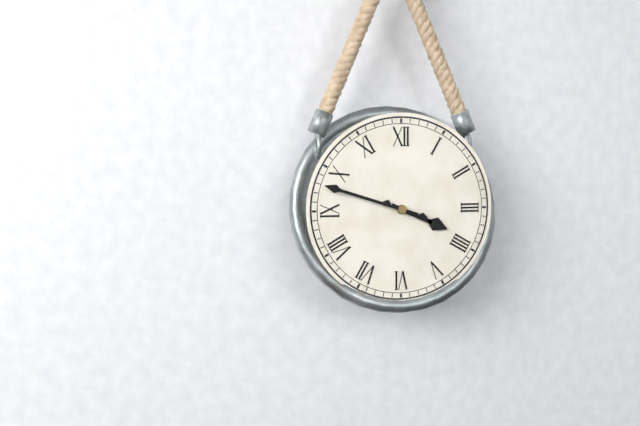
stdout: 3:48
